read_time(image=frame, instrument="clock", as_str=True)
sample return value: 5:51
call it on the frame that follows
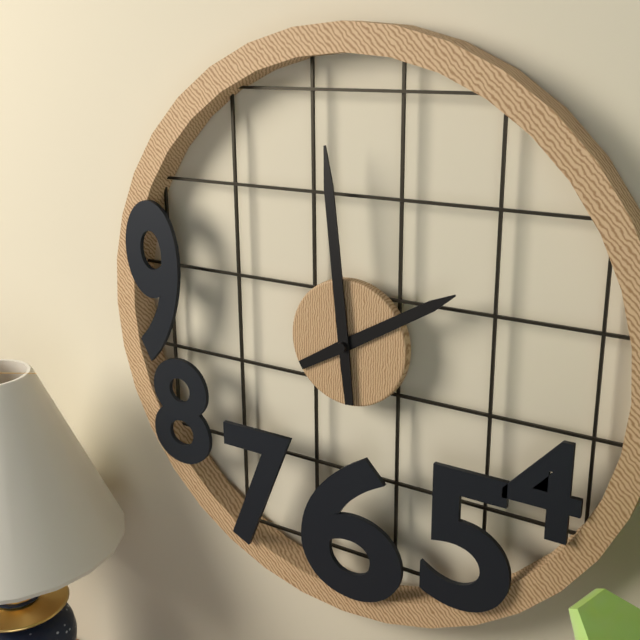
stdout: 1:59
